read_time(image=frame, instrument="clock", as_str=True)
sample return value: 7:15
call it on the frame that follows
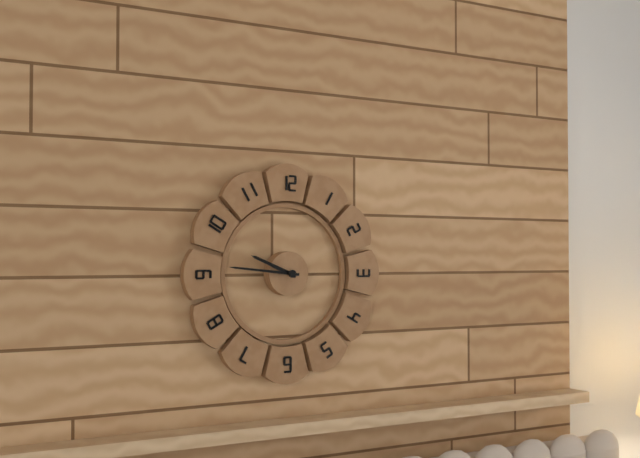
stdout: 9:46
